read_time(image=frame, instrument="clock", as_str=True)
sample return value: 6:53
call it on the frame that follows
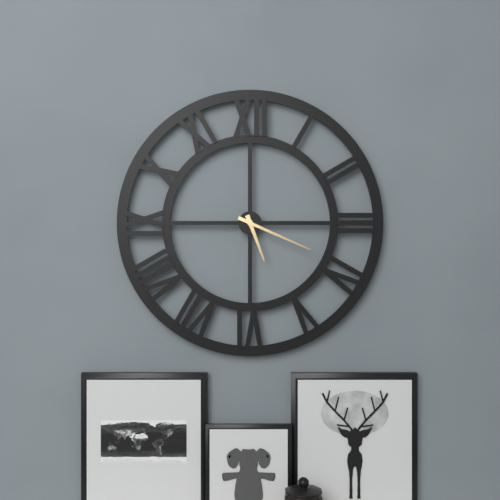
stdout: 5:19
